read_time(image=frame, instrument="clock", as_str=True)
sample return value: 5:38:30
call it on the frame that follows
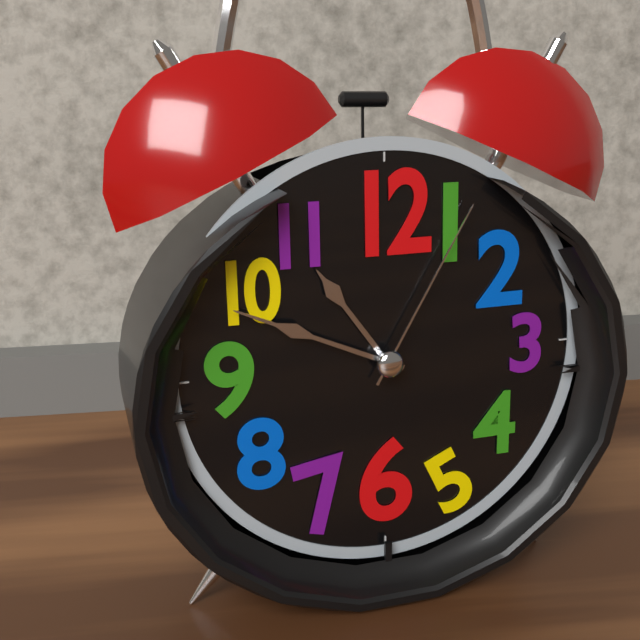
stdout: 10:49:05
